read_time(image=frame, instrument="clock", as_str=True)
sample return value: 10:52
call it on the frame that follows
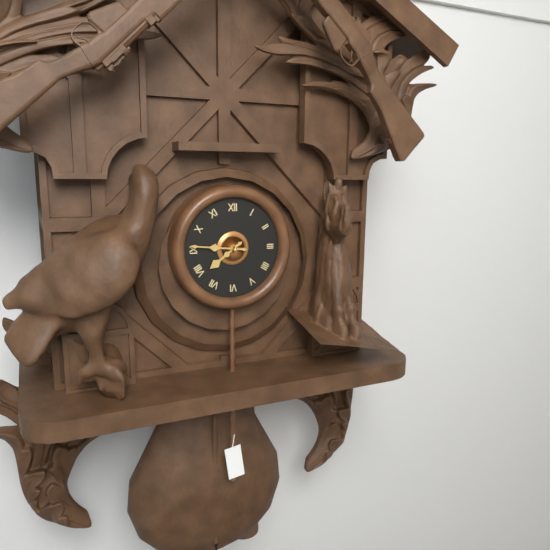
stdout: 7:46
